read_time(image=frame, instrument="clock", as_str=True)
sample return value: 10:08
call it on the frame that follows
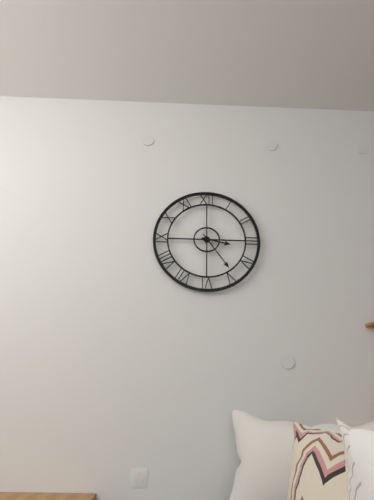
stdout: 3:24
